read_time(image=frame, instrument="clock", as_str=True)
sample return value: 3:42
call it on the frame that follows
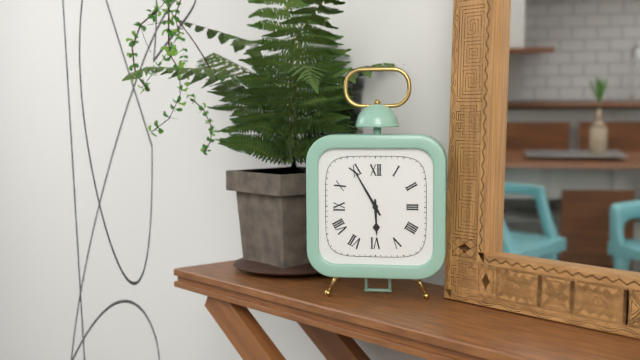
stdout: 5:55
